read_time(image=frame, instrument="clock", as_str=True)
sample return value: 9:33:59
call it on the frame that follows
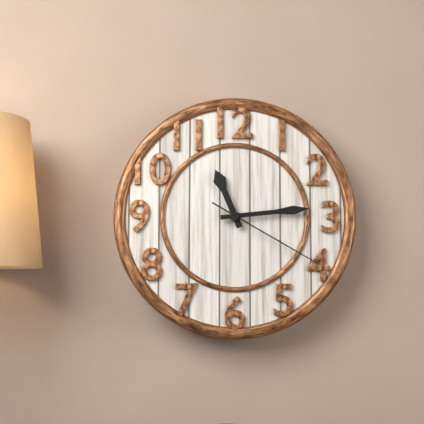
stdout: 11:14:20
